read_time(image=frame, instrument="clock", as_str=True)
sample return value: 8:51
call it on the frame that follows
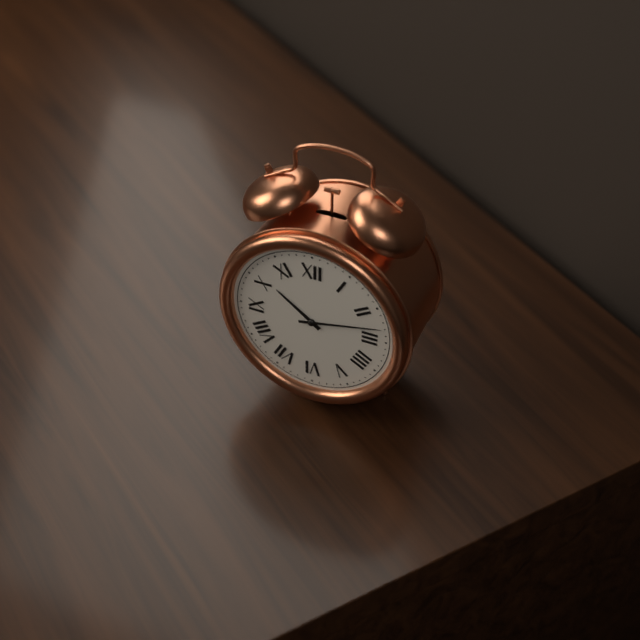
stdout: 10:13
